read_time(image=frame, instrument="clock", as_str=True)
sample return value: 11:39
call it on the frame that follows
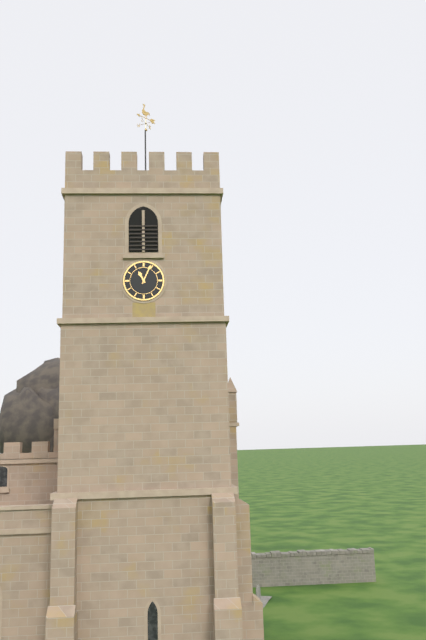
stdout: 11:04
